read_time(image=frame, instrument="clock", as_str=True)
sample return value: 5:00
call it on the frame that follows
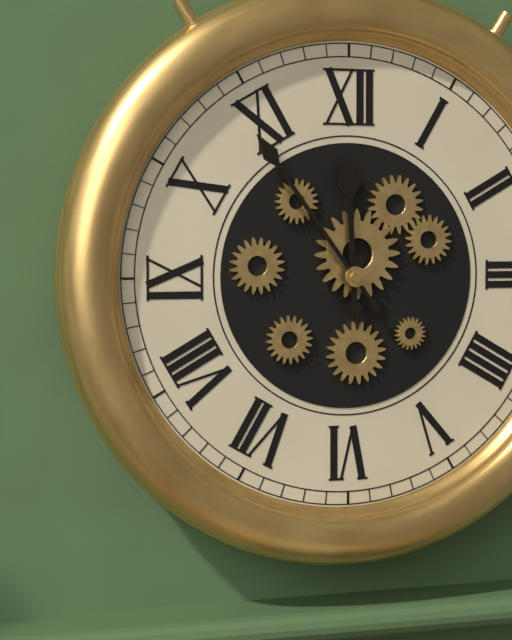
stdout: 11:54
